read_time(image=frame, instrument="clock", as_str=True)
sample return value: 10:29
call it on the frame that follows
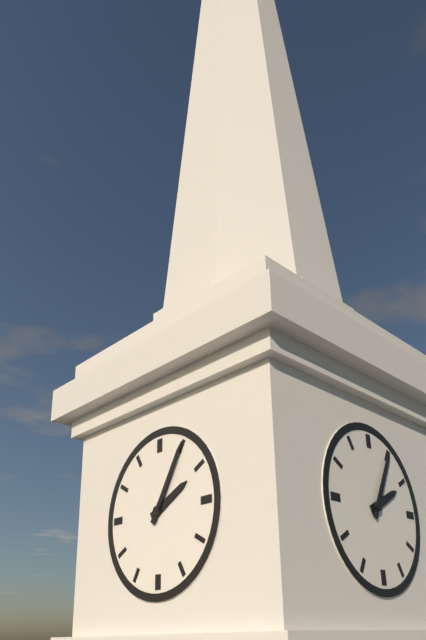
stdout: 2:05
